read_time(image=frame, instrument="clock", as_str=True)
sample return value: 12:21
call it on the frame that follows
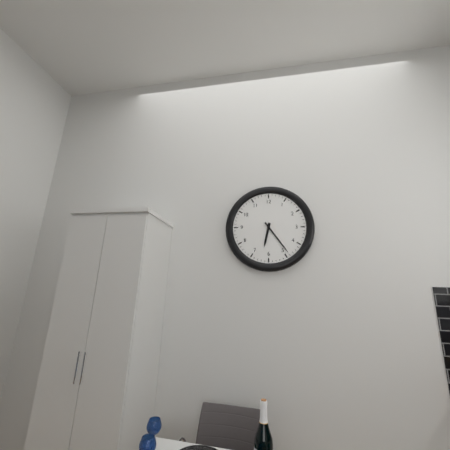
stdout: 6:24
